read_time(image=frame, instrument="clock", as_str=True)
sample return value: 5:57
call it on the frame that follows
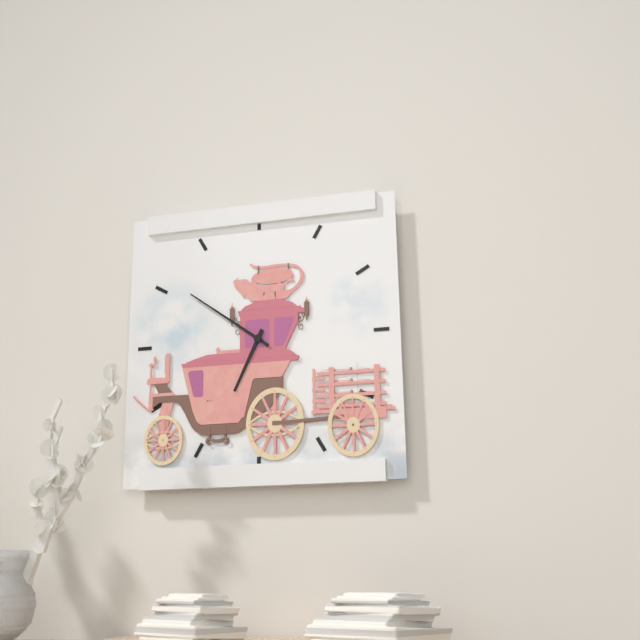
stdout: 6:51
